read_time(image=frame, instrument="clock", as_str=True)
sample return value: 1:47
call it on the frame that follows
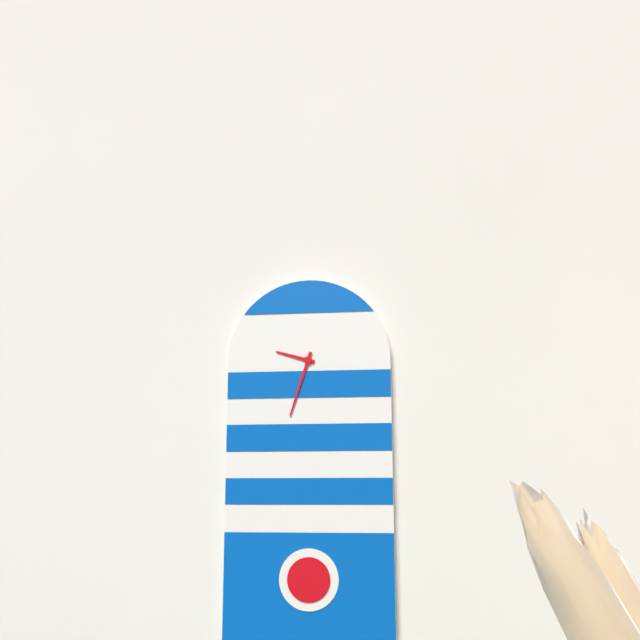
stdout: 9:33
